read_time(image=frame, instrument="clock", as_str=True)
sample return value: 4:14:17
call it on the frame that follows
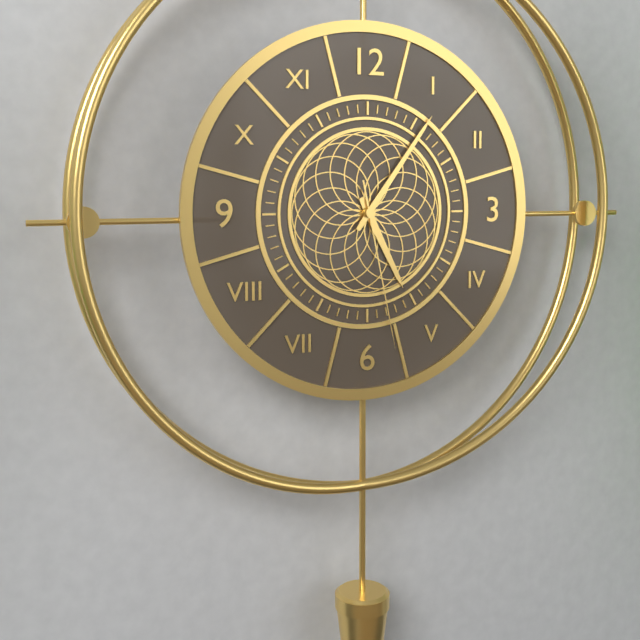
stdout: 5:06:28
